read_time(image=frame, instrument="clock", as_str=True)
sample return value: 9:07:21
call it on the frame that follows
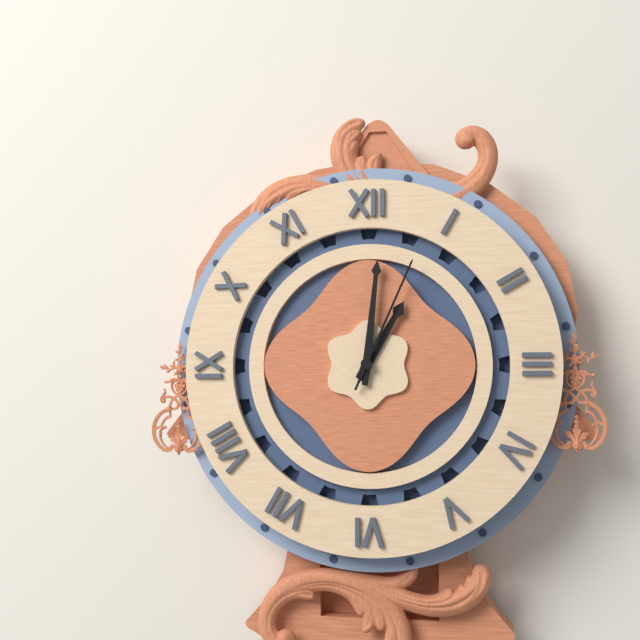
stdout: 1:01:04
